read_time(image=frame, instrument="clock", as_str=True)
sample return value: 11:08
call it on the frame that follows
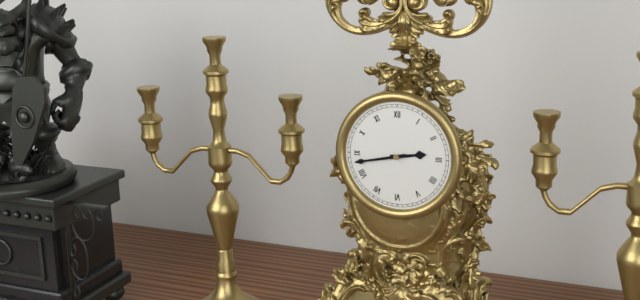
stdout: 2:43
